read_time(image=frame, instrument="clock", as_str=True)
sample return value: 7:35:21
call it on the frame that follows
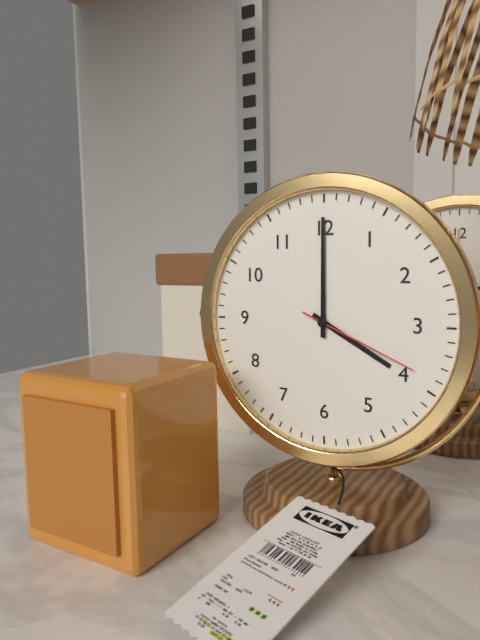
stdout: 4:00:19
